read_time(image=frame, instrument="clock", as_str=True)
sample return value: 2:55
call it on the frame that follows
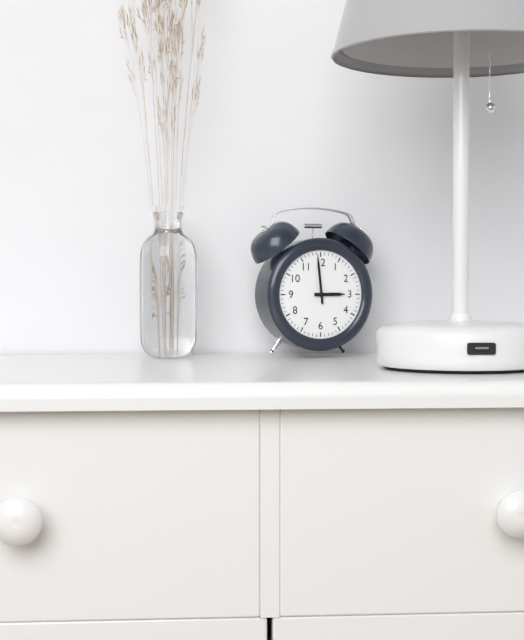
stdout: 2:59
